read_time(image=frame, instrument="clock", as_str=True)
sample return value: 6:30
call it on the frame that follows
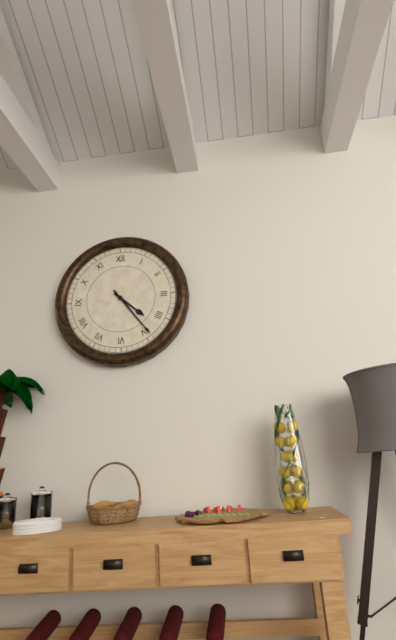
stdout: 4:24
